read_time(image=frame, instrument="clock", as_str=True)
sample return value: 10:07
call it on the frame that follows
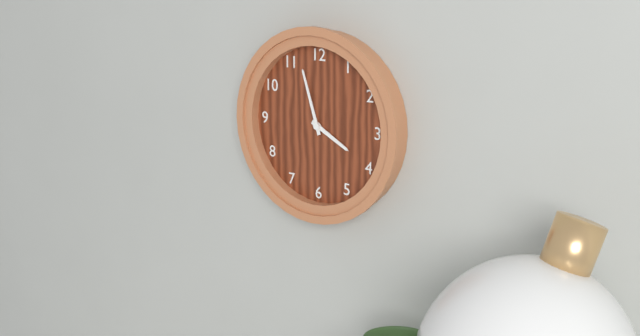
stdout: 3:57
